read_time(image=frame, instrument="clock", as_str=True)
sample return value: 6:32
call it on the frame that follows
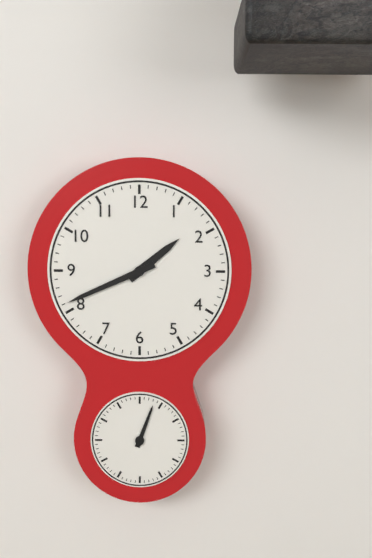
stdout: 1:41
